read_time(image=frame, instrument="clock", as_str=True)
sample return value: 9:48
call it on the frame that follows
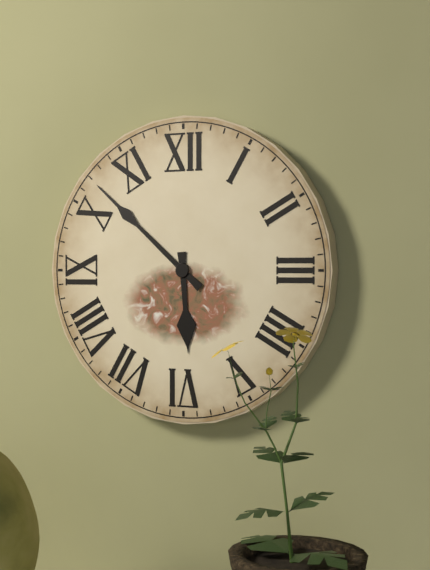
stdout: 5:52
